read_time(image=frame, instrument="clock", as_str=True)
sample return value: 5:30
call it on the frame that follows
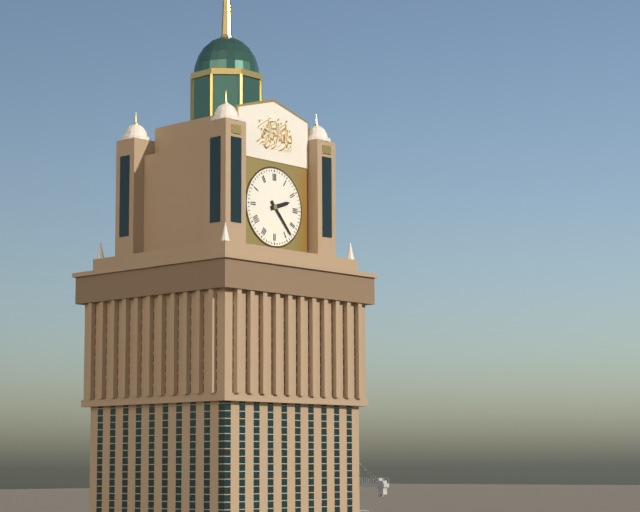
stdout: 2:23
